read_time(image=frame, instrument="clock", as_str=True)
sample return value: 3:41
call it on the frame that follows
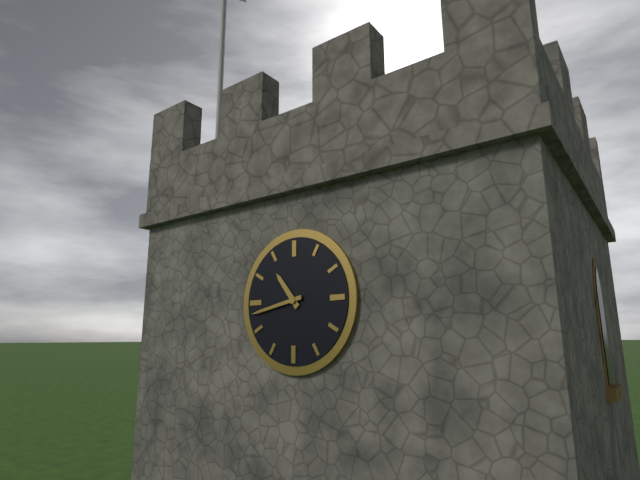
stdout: 10:43
